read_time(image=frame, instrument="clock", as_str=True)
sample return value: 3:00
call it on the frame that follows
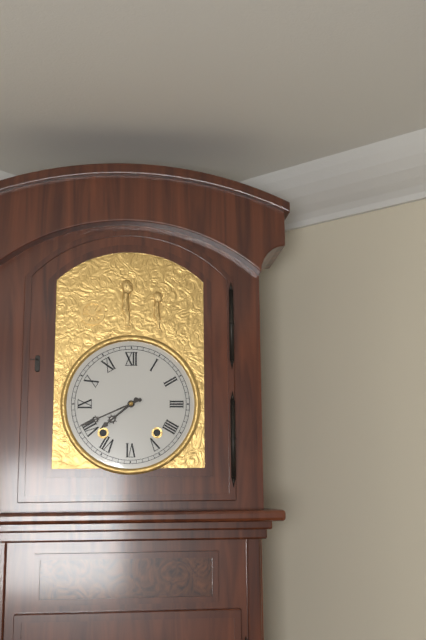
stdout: 7:41
